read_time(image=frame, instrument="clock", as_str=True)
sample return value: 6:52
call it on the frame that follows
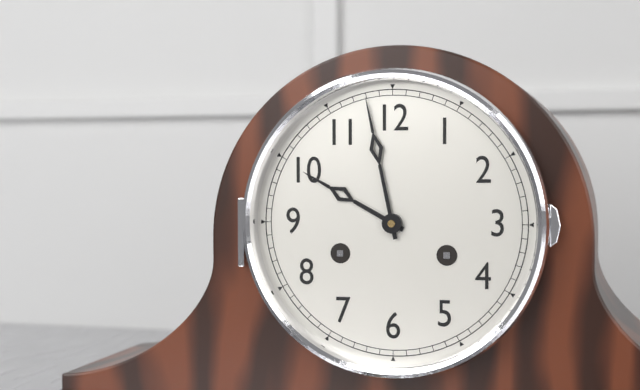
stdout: 9:58
